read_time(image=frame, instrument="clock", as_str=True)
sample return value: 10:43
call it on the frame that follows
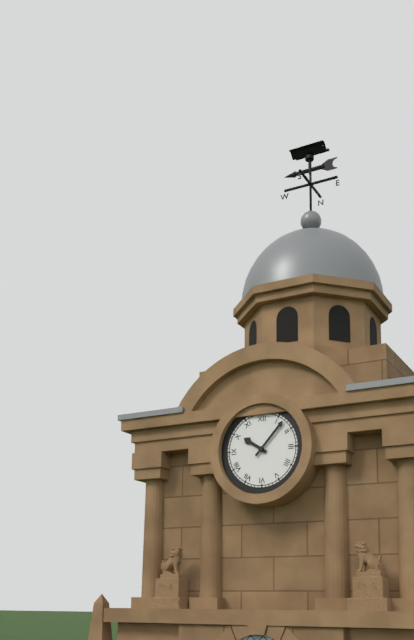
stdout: 10:07
